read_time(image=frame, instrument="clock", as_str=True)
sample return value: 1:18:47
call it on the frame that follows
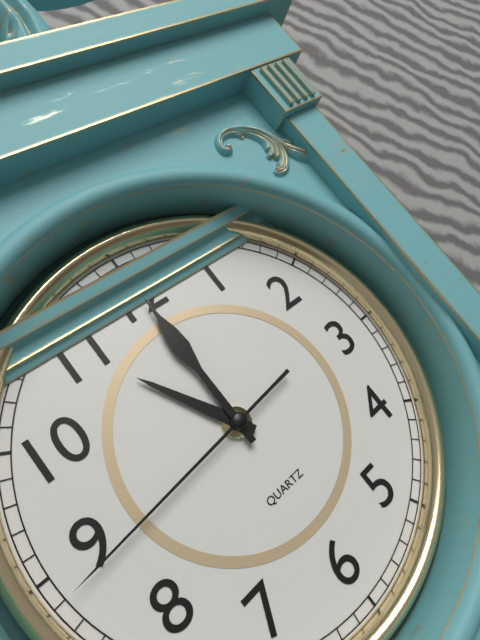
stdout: 11:00:44
